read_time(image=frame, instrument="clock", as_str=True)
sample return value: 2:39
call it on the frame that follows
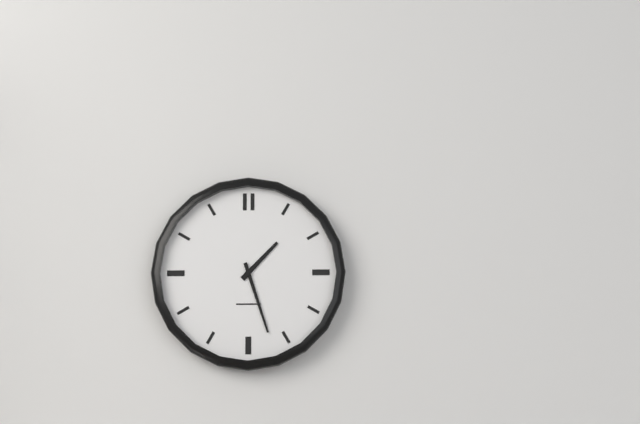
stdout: 1:27
